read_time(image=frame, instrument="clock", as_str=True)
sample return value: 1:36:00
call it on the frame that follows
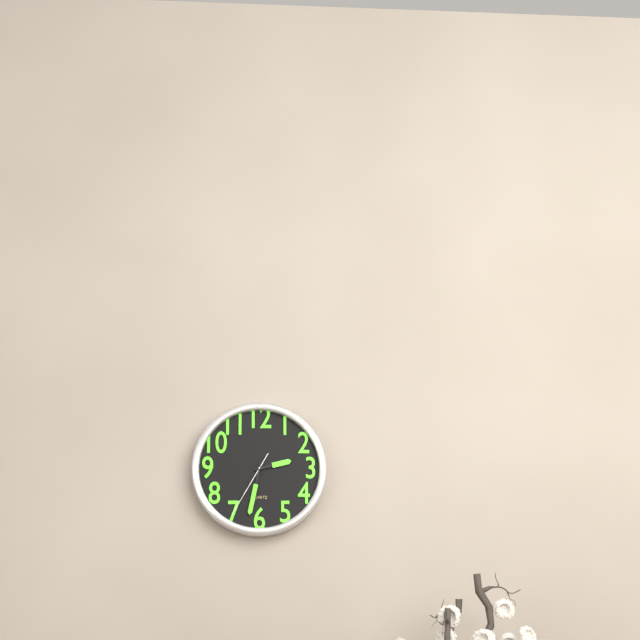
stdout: 2:32:35
